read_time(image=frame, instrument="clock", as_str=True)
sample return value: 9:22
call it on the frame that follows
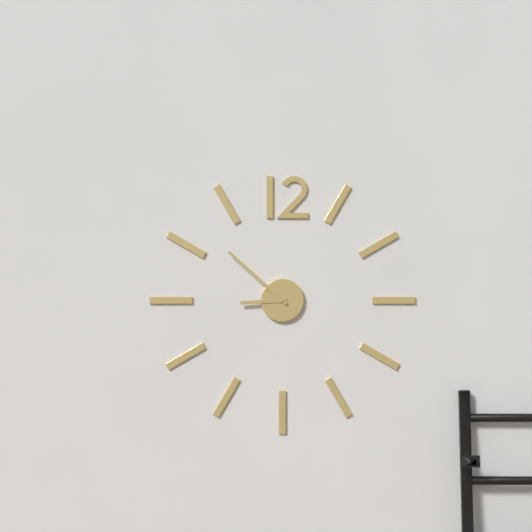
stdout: 8:52
